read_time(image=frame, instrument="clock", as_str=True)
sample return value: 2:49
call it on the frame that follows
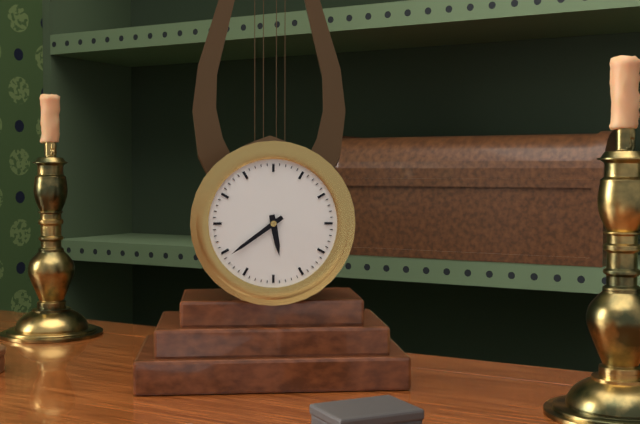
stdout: 5:39
